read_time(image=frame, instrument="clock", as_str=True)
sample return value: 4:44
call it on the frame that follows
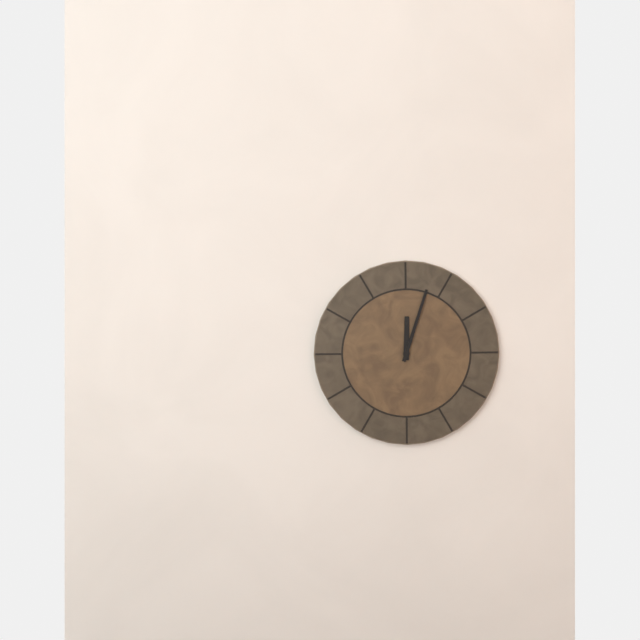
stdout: 12:03
